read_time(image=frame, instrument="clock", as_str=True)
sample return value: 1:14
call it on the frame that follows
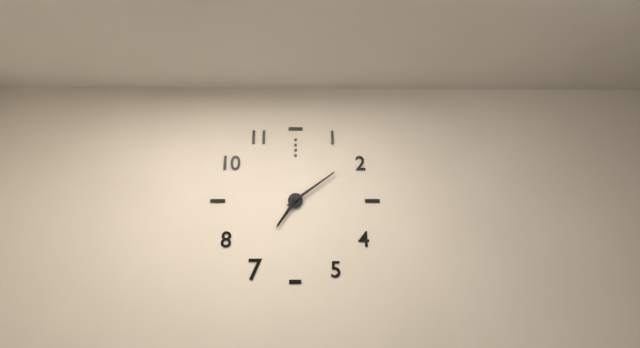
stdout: 7:09
